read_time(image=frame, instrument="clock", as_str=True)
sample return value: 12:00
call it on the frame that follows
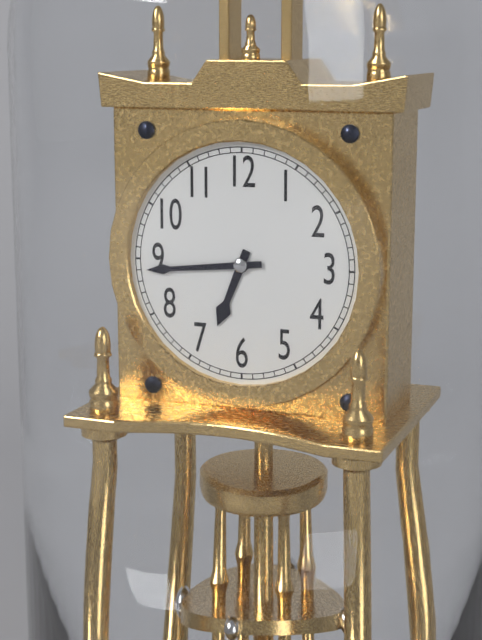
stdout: 6:44
